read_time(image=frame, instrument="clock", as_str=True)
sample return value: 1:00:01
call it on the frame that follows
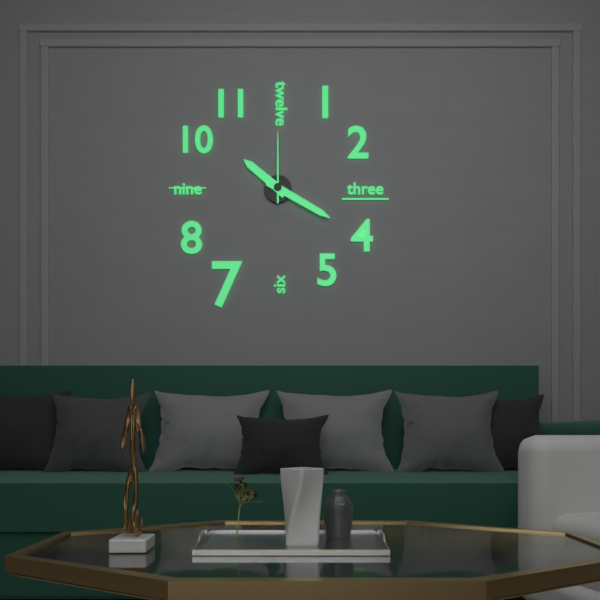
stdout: 10:20:00
